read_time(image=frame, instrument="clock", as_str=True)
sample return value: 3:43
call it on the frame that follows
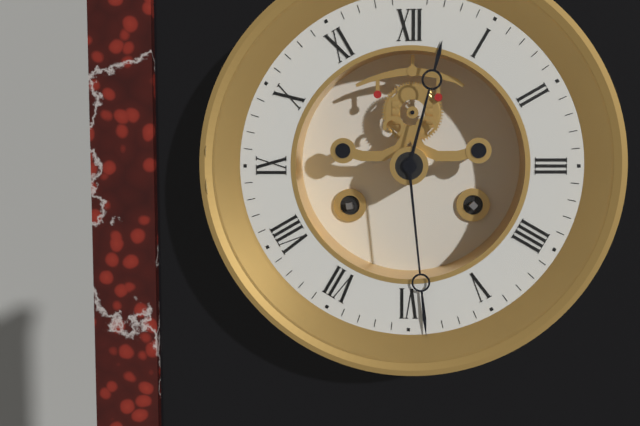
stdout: 12:29
